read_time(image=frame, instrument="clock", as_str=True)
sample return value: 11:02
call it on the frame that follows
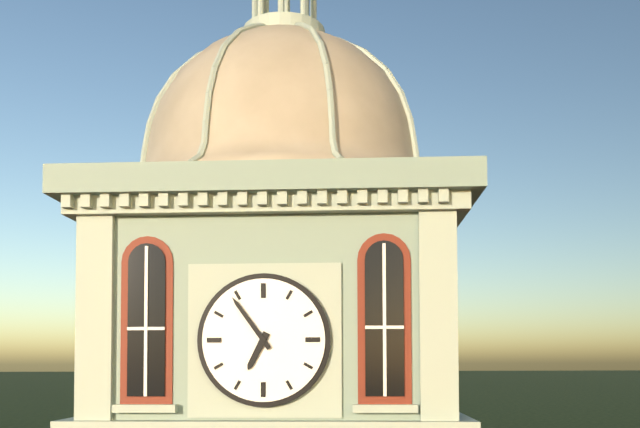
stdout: 6:54
